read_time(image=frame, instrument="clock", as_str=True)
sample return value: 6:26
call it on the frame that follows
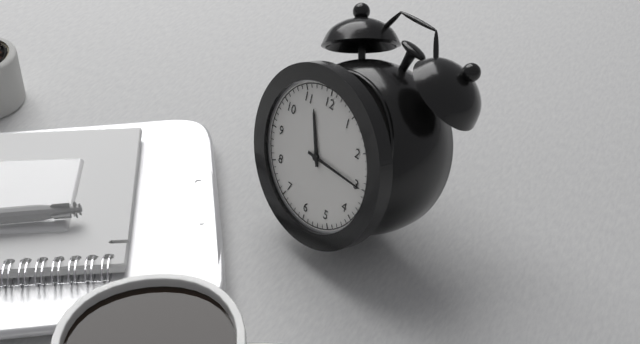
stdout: 11:15
